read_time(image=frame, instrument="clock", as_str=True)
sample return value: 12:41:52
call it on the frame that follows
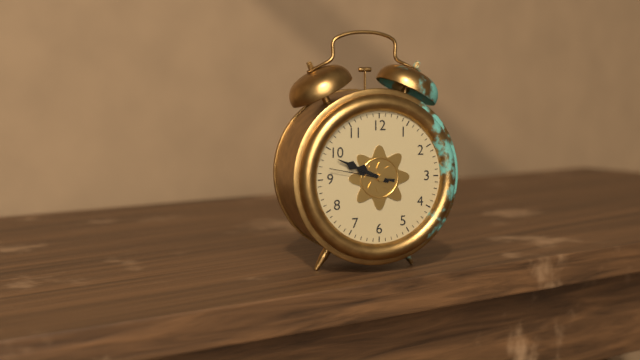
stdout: 9:49:47
